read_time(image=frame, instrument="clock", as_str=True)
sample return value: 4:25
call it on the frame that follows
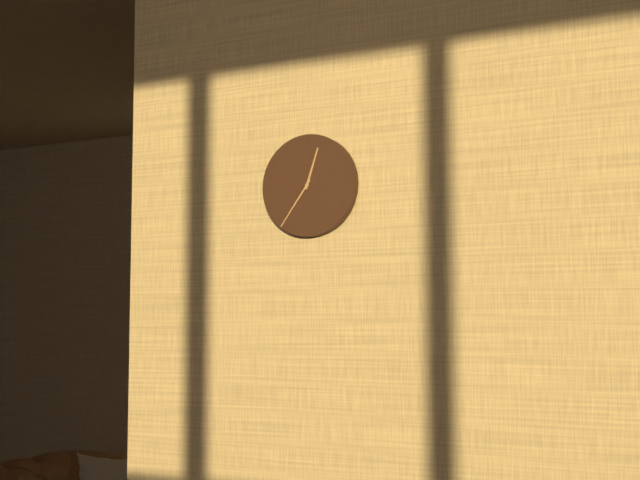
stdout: 12:36
